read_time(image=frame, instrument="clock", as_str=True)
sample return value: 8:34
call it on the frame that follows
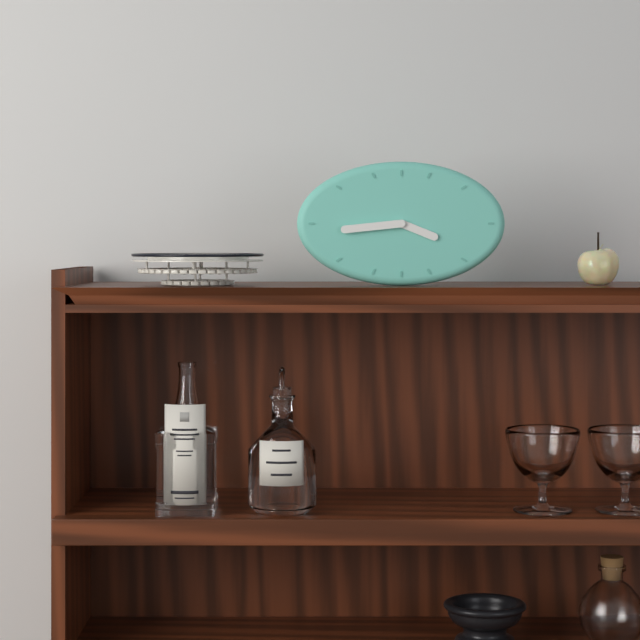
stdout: 3:44
